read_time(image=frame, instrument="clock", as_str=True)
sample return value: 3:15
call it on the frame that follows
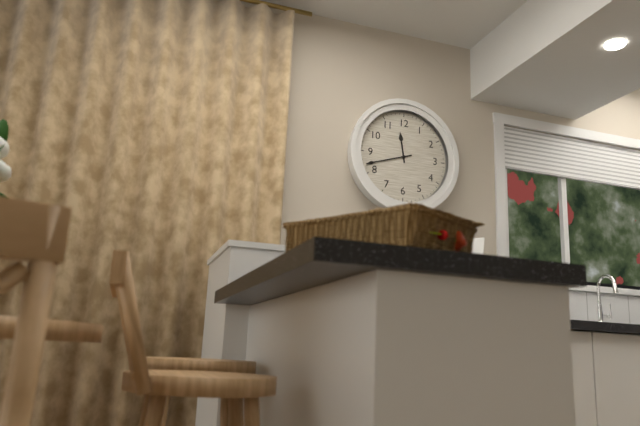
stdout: 11:42
